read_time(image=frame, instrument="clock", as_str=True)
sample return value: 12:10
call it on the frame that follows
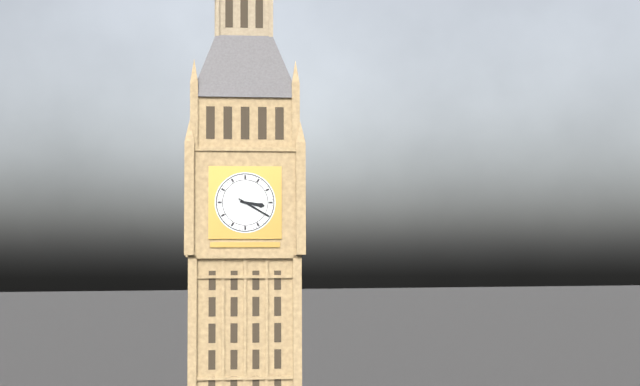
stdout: 3:20
